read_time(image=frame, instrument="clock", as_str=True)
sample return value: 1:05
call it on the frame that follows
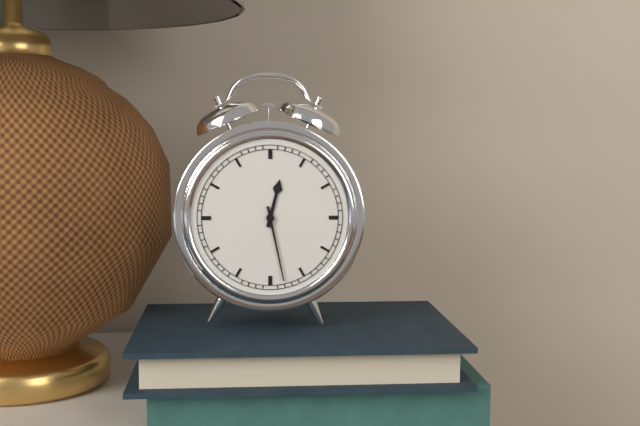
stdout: 12:28
